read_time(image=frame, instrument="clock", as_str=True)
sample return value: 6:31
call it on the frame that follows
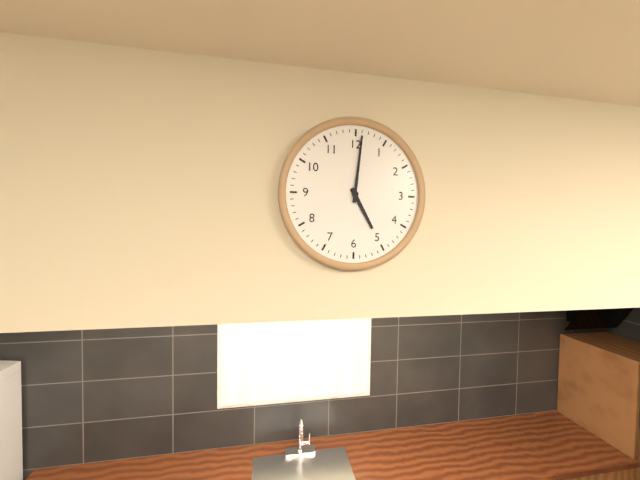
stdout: 5:01
